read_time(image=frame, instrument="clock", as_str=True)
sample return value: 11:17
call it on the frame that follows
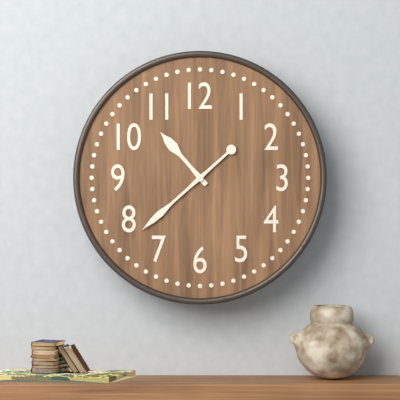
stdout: 10:38
